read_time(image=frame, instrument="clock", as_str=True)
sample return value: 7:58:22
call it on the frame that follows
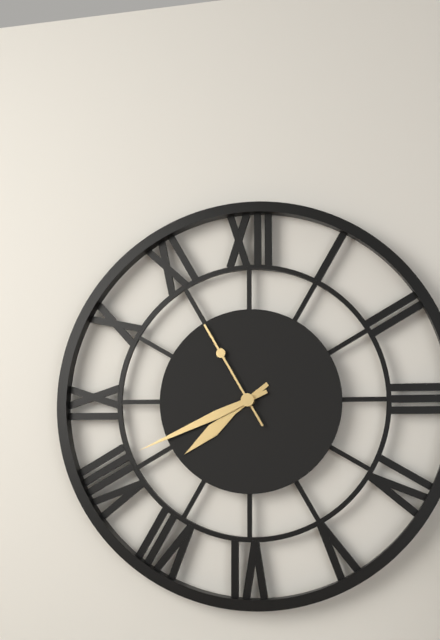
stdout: 7:41:55
